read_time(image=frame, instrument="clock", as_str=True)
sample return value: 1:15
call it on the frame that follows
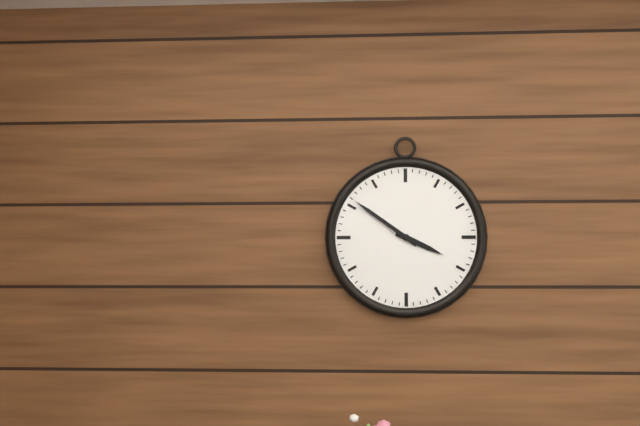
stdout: 3:51
